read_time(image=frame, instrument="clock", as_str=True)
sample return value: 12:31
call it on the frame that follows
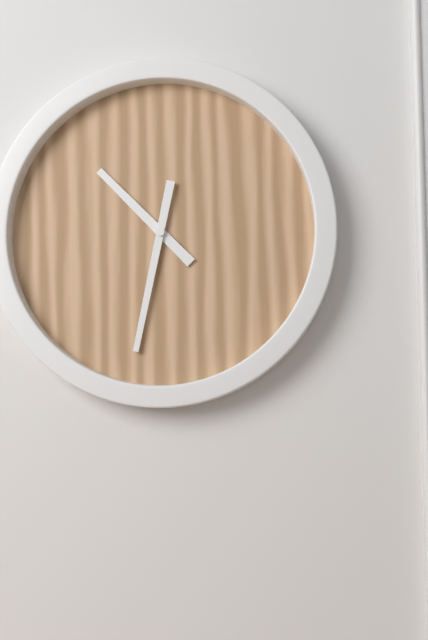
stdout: 10:32
